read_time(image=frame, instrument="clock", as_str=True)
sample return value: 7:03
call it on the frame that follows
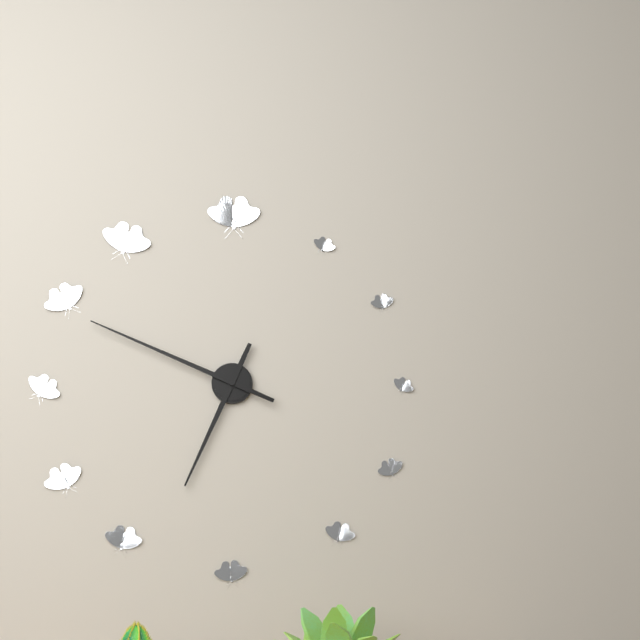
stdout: 6:49
